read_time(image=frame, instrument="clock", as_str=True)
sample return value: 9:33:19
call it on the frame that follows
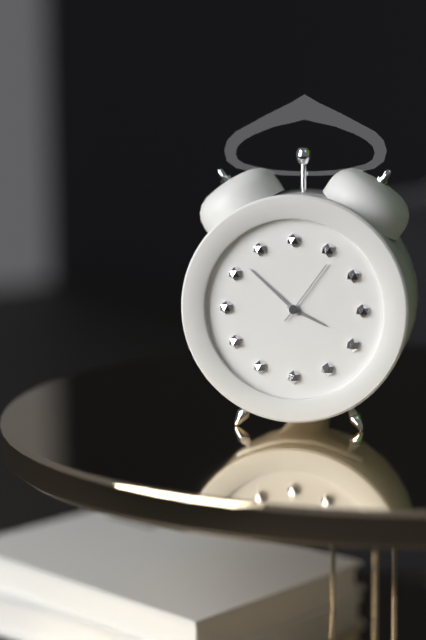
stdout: 3:52:06
